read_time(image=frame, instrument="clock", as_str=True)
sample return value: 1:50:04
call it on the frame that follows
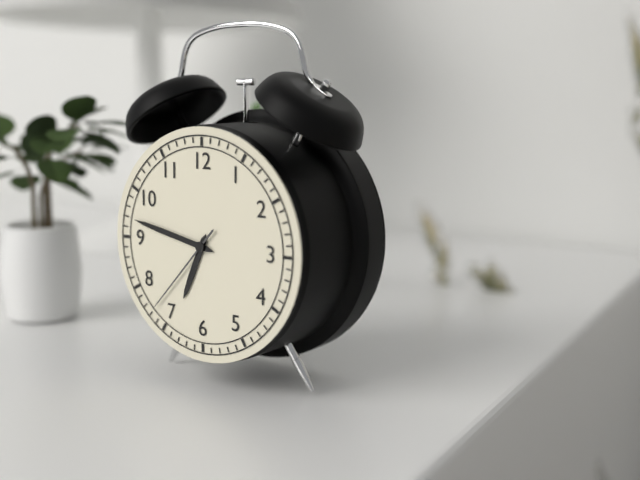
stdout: 6:47:37
